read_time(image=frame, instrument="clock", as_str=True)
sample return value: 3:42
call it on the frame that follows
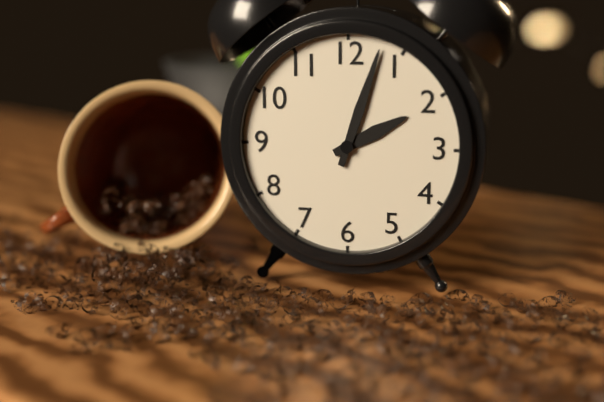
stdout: 2:03
